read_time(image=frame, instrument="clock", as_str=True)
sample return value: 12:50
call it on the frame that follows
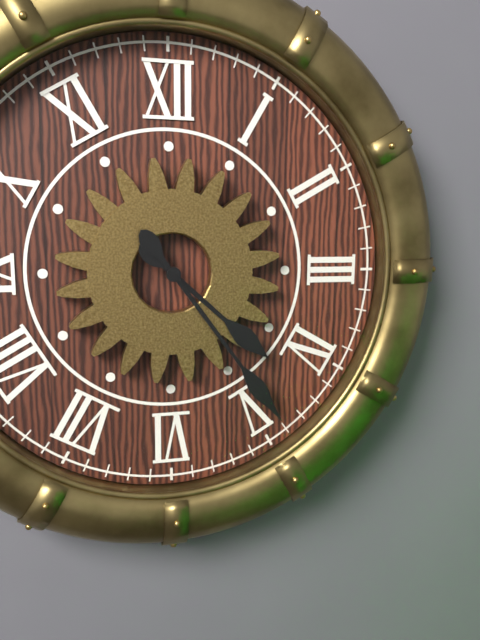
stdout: 4:24
